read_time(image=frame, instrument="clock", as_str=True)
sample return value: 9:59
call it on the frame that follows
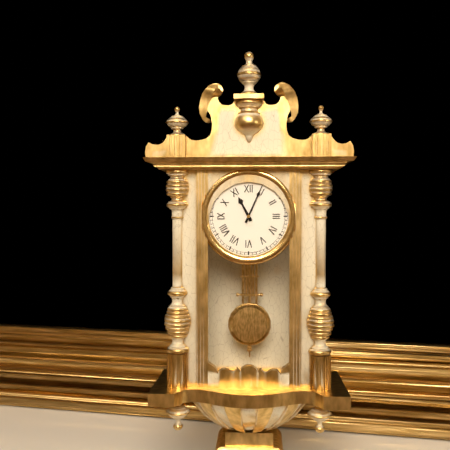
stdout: 11:04
